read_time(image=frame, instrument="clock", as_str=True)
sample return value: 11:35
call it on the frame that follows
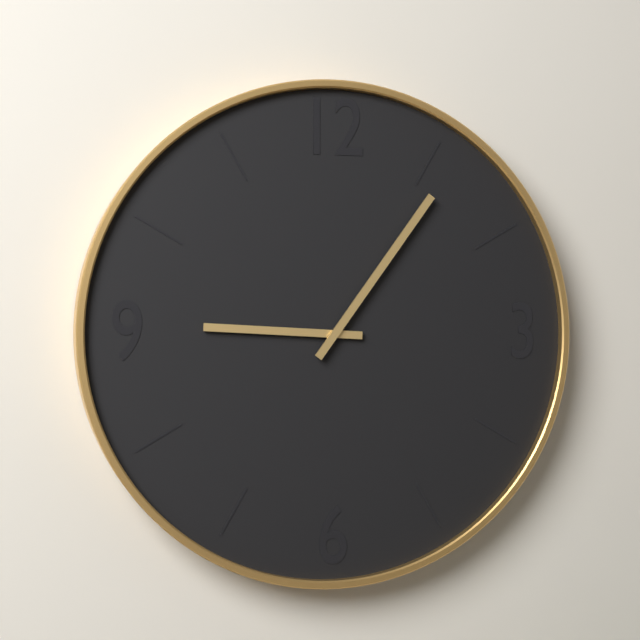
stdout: 9:06
